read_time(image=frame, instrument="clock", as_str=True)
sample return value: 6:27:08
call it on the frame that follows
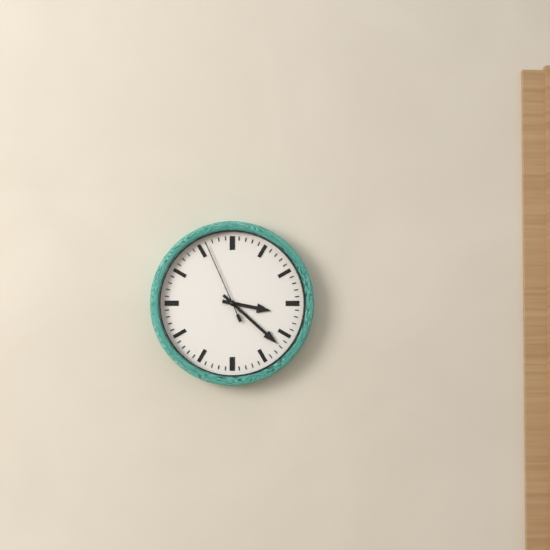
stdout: 3:22:56
